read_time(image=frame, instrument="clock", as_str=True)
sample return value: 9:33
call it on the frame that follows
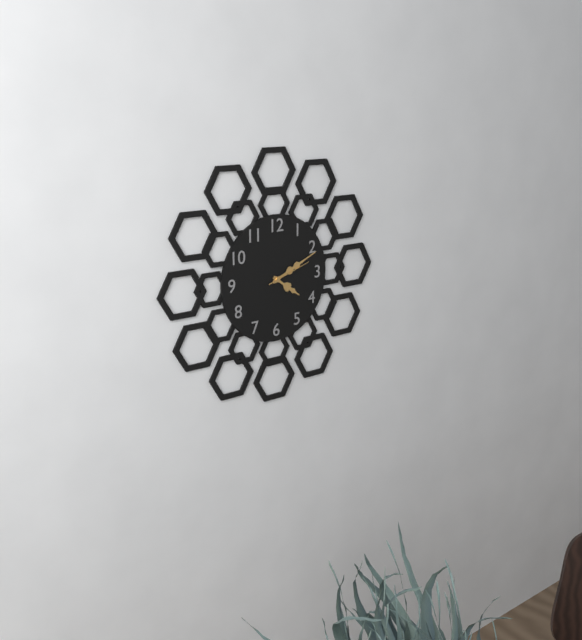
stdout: 4:11
